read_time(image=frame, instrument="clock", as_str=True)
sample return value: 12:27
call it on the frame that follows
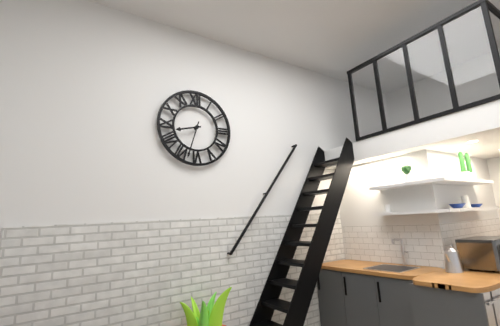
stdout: 8:33
